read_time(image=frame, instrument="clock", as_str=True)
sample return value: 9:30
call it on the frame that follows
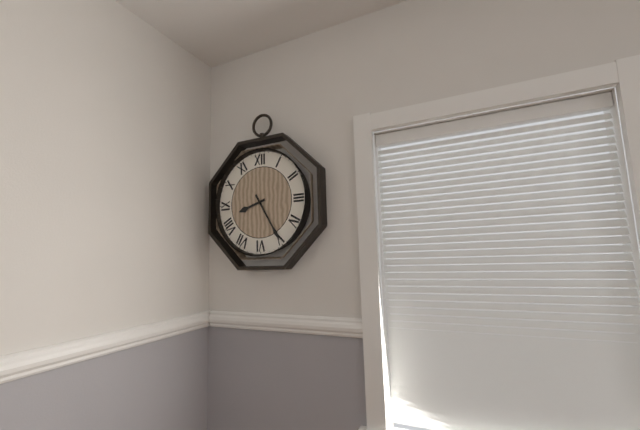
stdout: 8:25
